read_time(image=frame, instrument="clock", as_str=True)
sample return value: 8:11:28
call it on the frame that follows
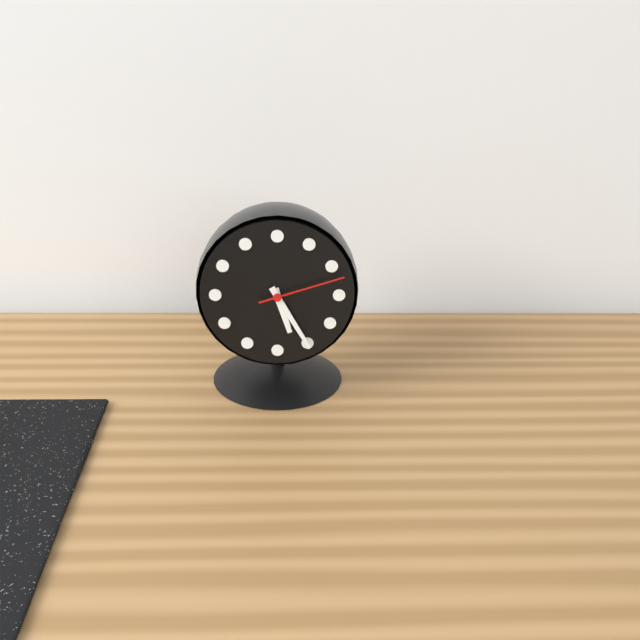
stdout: 5:25:12
